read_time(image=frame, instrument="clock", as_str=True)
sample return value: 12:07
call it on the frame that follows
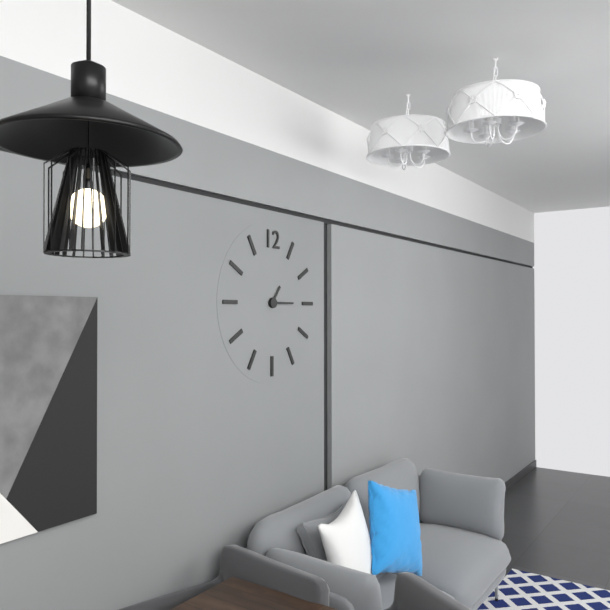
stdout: 1:15
